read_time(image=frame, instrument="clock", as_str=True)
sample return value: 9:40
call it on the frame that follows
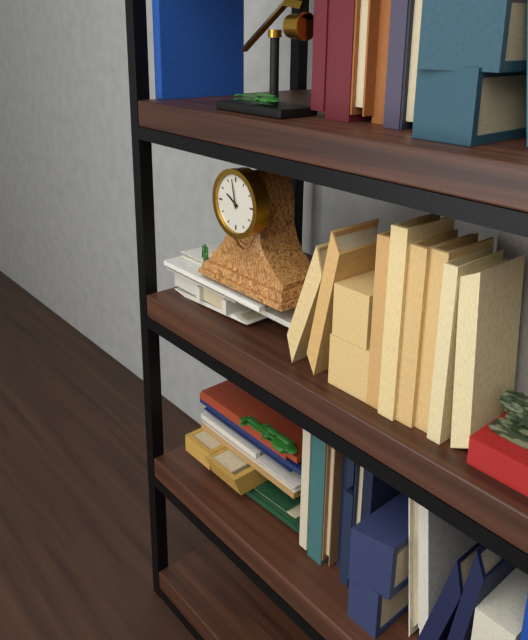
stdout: 9:58
